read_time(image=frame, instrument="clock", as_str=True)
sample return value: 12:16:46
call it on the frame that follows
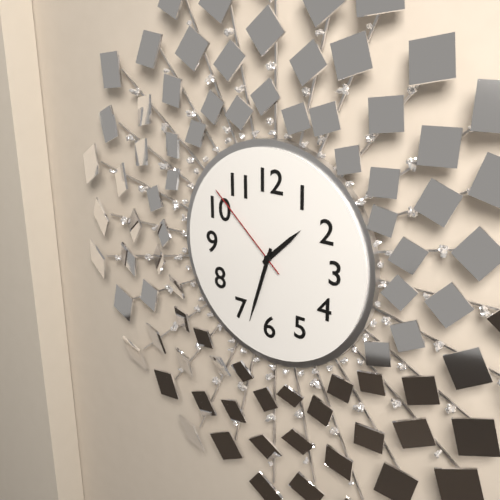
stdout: 1:33:52
